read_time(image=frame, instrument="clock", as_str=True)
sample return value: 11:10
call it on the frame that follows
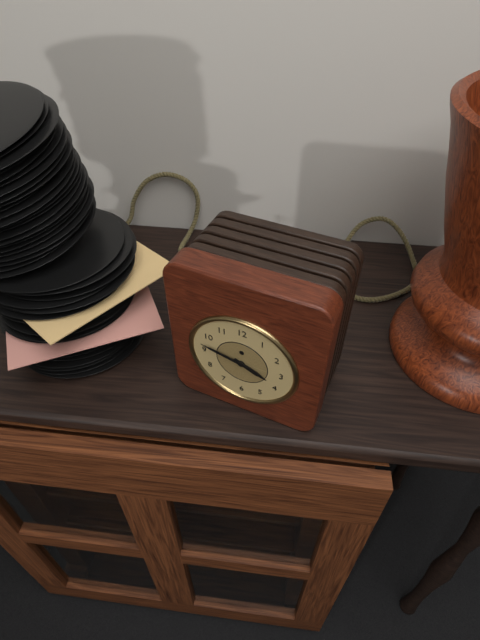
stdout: 3:47
